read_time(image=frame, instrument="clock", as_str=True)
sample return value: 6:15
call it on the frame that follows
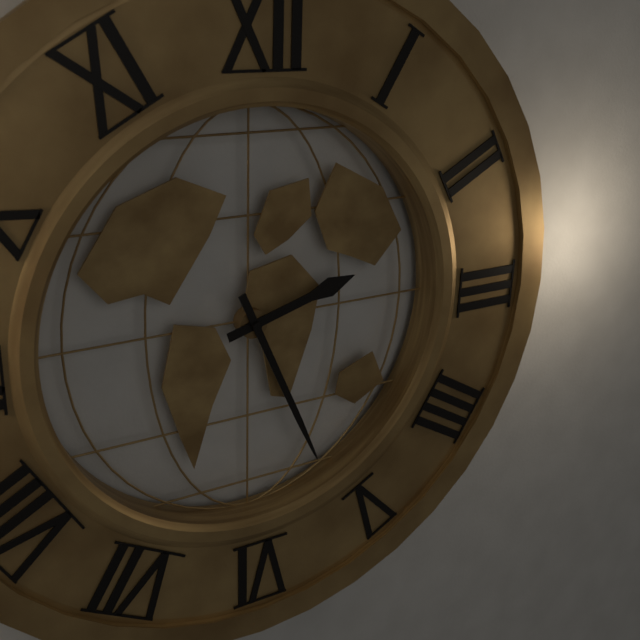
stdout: 2:26
